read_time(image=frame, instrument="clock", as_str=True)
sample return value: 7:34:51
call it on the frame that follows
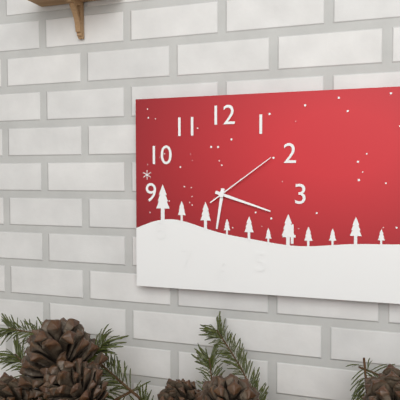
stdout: 6:18:09
